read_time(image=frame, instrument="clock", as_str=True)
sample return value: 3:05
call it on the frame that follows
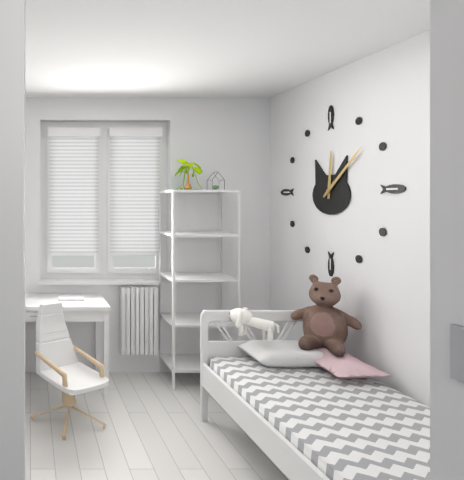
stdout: 12:08
